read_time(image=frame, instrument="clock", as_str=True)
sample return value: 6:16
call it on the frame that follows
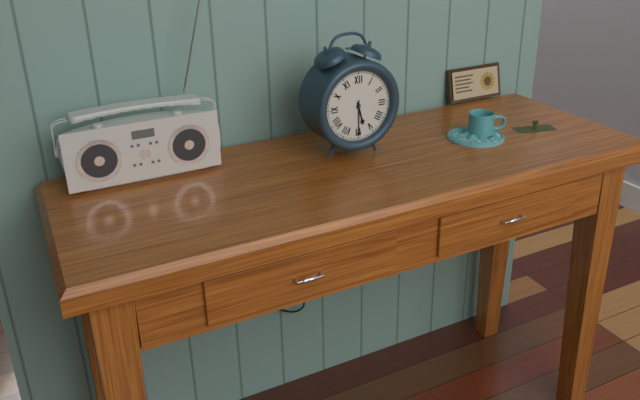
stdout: 5:30
